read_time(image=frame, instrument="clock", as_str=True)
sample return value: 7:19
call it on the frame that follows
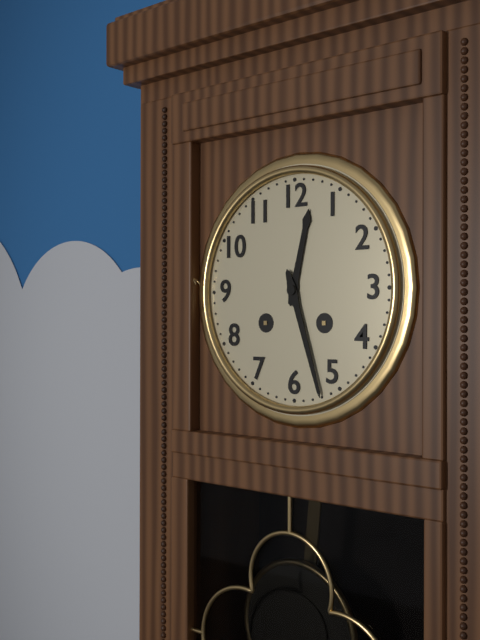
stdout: 12:27
